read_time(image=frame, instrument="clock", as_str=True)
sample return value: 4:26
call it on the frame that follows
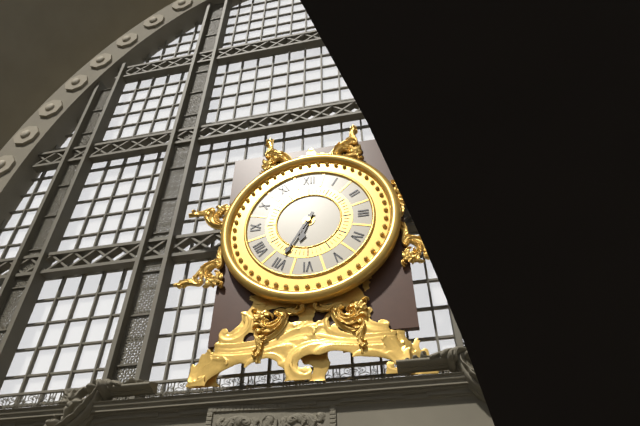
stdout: 6:35
